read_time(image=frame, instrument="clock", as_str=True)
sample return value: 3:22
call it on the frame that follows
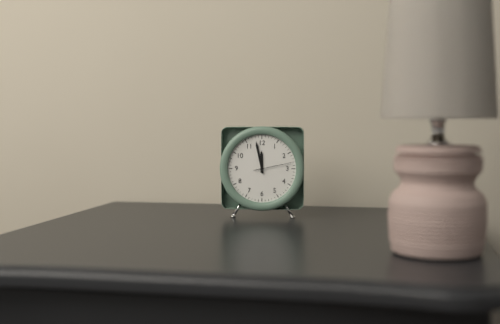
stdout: 11:58
